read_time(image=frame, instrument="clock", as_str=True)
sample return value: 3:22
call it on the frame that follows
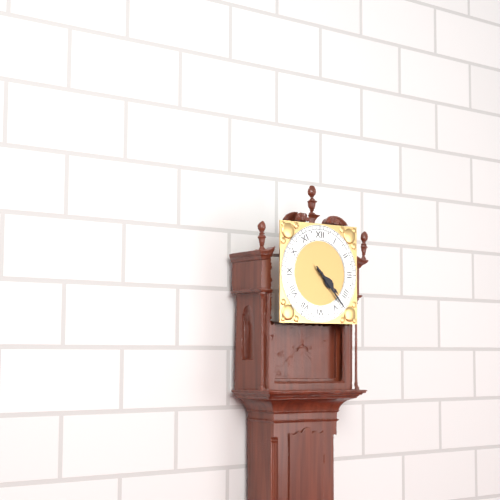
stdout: 4:23
